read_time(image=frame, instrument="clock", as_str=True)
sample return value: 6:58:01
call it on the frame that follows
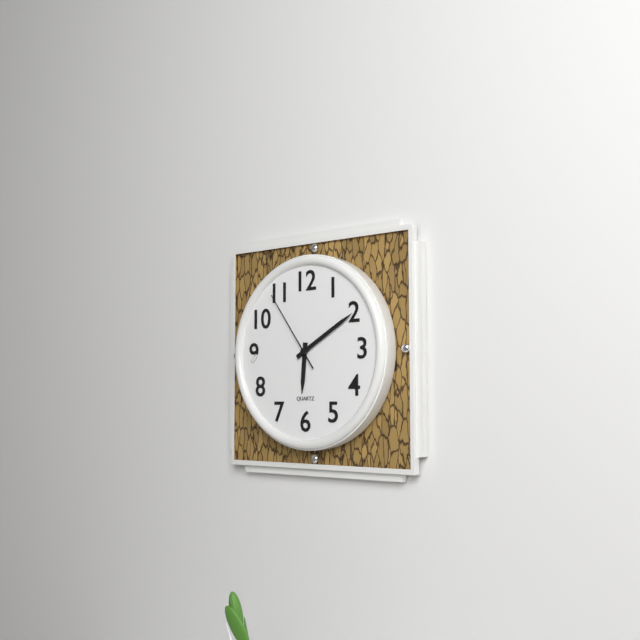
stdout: 6:10:54
